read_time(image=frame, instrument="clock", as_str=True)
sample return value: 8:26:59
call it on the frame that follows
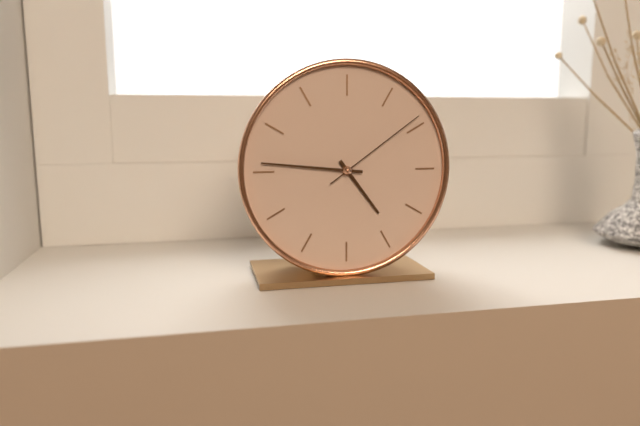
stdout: 4:46:09
